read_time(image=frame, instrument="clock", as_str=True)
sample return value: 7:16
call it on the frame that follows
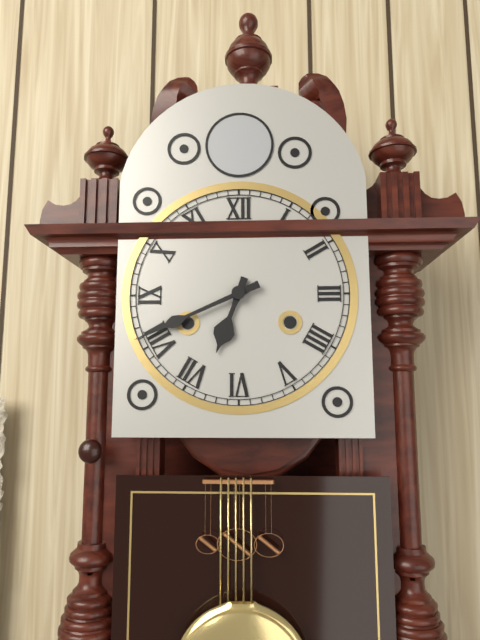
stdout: 6:41
